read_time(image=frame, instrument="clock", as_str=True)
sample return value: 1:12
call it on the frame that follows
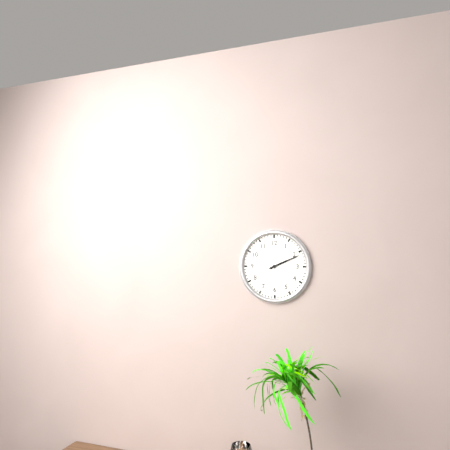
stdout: 2:11
